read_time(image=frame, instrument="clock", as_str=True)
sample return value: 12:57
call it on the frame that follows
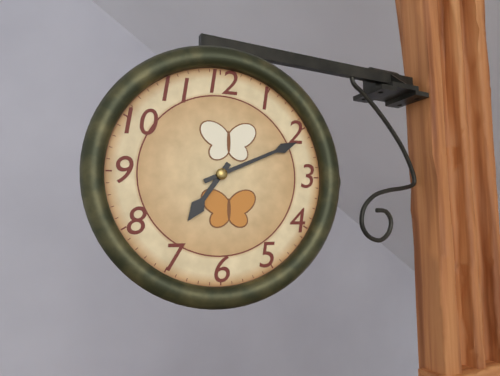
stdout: 7:11
